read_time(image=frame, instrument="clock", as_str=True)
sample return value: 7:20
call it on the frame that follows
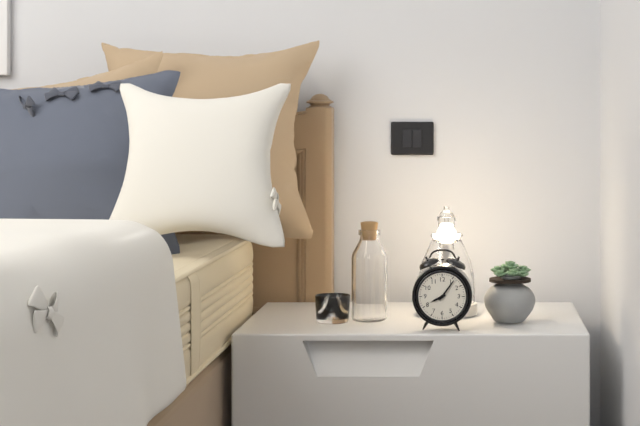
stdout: 8:06
